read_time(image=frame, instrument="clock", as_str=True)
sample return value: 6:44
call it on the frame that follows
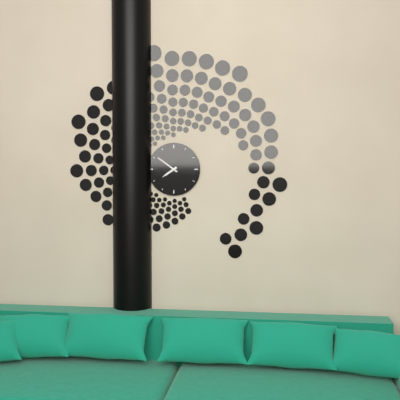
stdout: 7:51
